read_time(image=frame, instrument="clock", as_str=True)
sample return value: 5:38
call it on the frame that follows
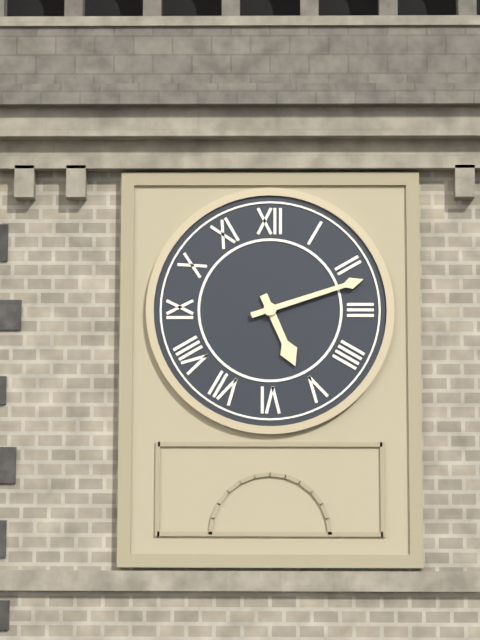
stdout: 5:12
